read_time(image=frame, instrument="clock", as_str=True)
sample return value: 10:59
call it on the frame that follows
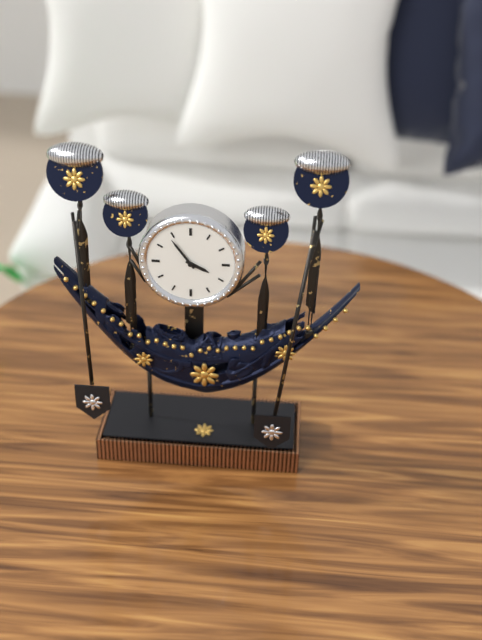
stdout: 3:54
